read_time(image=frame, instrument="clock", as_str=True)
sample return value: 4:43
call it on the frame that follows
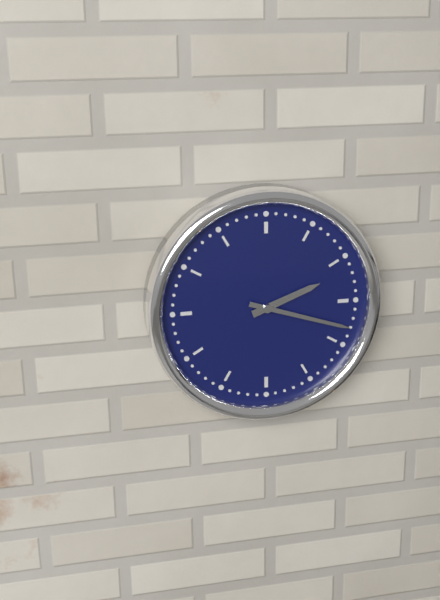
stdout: 2:18
